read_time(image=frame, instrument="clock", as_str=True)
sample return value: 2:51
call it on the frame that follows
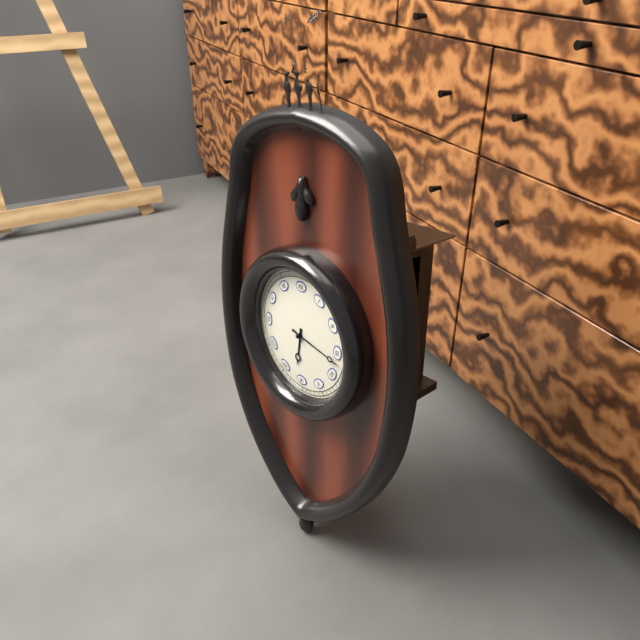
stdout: 6:17
